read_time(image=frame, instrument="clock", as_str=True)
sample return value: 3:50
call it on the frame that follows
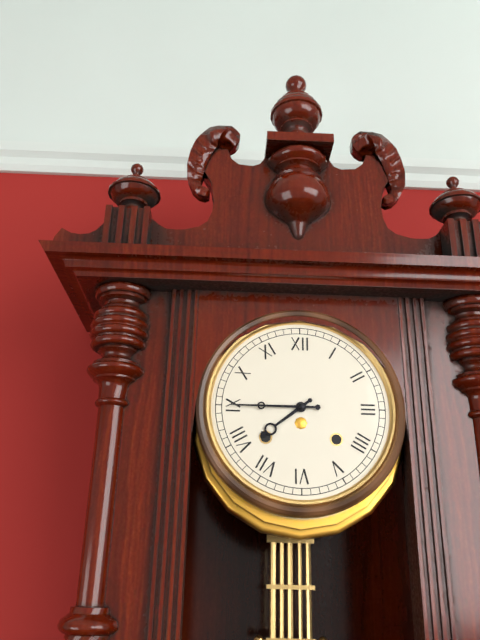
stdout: 7:45
